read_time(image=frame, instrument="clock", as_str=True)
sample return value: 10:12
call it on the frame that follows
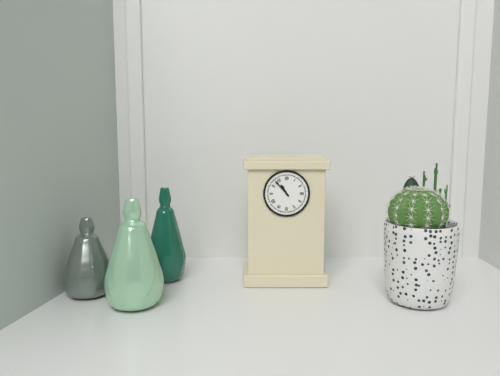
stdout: 10:53
